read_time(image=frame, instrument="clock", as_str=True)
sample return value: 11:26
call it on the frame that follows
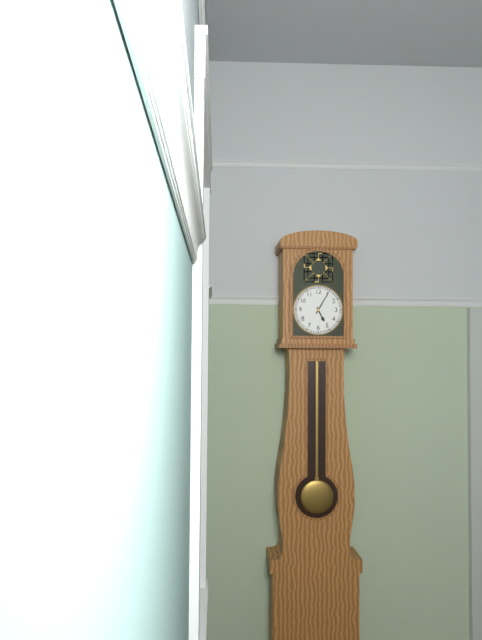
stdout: 5:05
